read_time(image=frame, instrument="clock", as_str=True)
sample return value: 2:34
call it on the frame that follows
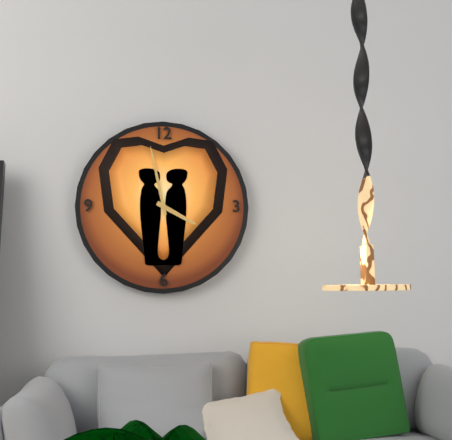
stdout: 3:58
